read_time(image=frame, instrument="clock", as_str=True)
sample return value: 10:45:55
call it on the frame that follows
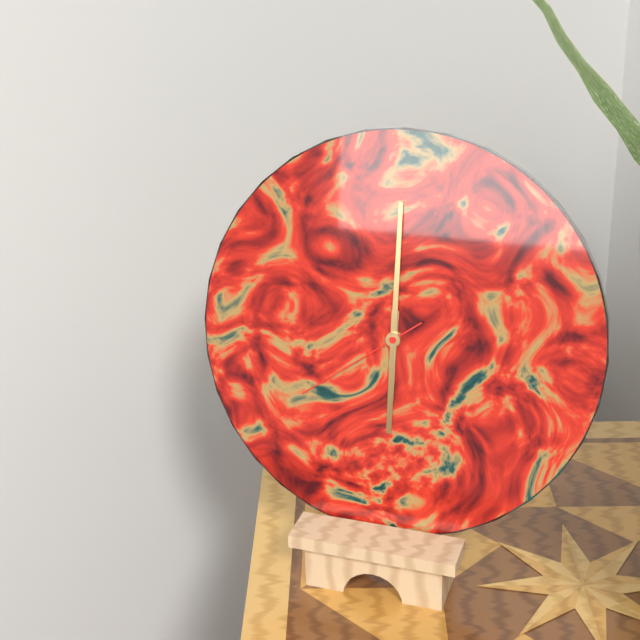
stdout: 6:00:39
